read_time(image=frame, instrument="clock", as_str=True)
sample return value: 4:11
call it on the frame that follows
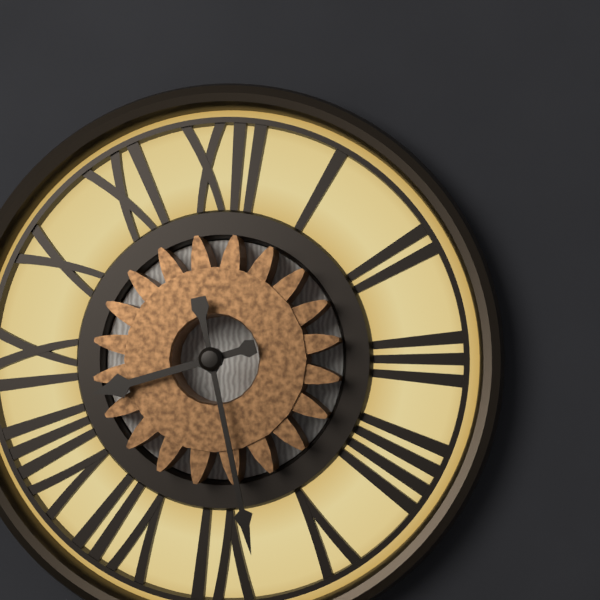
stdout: 8:28
